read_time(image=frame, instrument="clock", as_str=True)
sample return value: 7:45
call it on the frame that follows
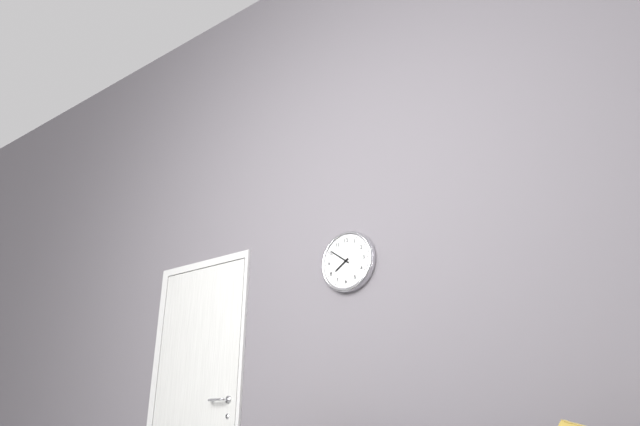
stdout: 7:51
